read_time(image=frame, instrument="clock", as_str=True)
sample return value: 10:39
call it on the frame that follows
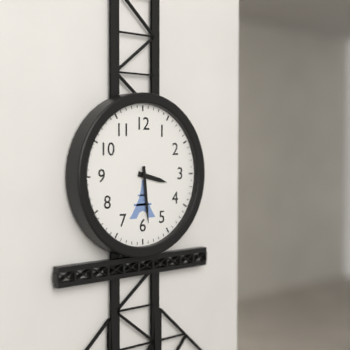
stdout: 3:29
